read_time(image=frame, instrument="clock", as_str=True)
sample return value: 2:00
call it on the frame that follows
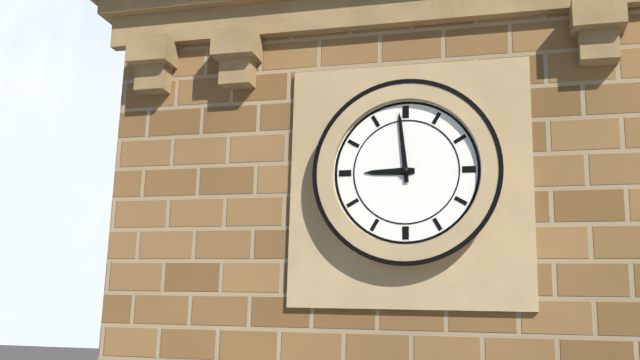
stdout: 8:59
